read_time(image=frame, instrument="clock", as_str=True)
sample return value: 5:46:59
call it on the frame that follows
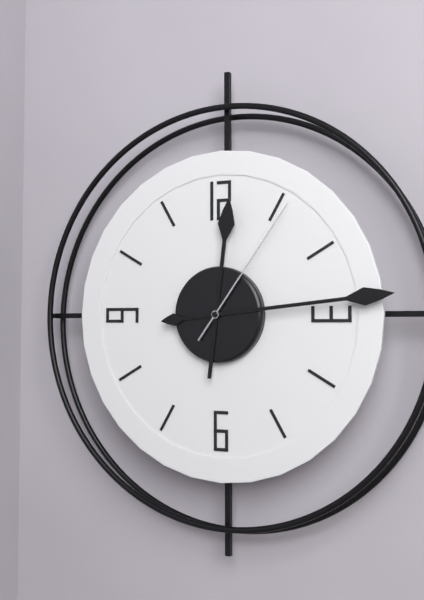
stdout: 12:14:06
